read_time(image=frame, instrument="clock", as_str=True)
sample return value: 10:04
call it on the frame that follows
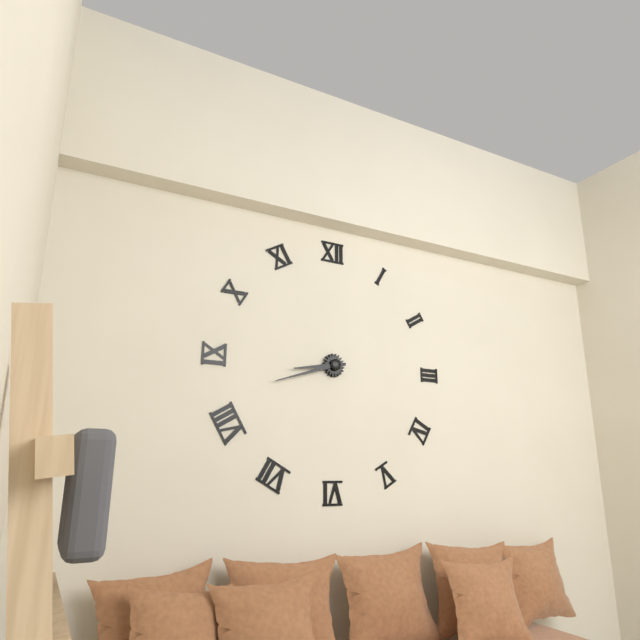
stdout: 8:42
